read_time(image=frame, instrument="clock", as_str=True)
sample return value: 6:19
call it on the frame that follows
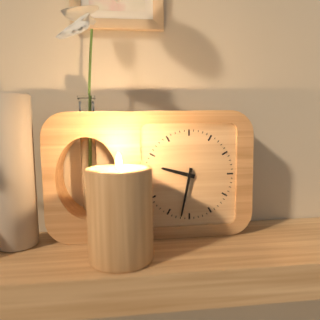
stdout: 9:32
